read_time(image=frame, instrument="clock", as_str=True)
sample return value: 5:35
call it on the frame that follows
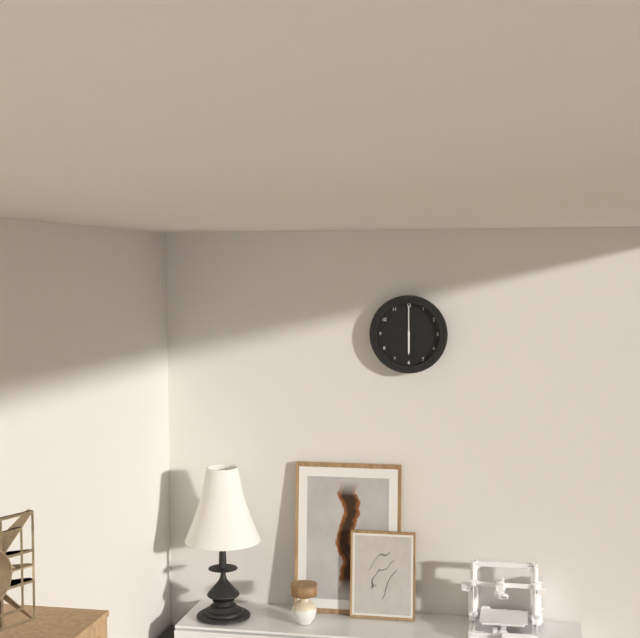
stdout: 6:00
